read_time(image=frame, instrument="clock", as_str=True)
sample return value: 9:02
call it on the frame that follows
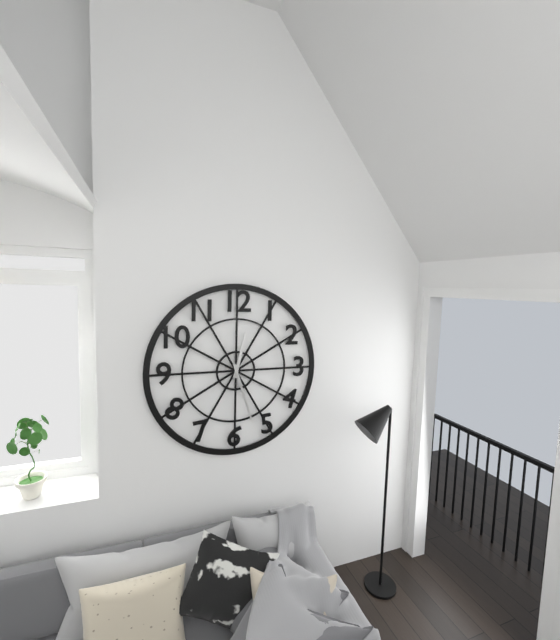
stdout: 12:27
